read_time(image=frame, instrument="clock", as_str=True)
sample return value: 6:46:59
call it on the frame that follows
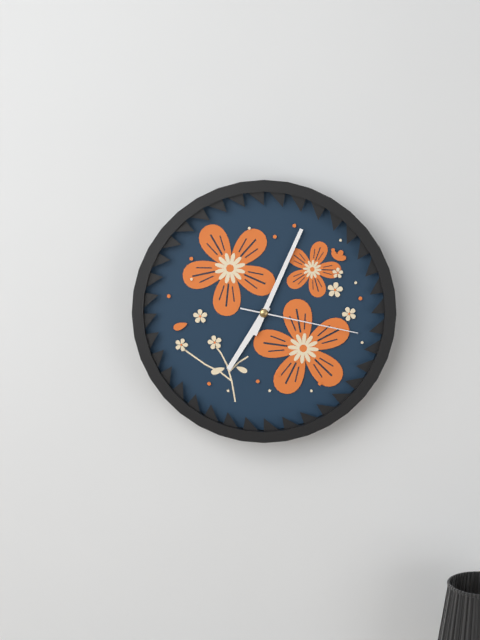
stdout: 7:04:17
